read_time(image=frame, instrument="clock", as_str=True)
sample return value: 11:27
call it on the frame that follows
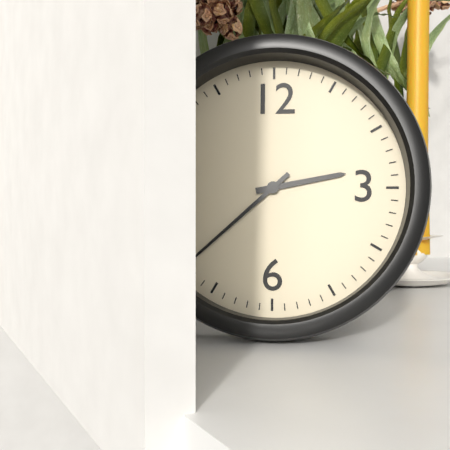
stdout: 2:38
